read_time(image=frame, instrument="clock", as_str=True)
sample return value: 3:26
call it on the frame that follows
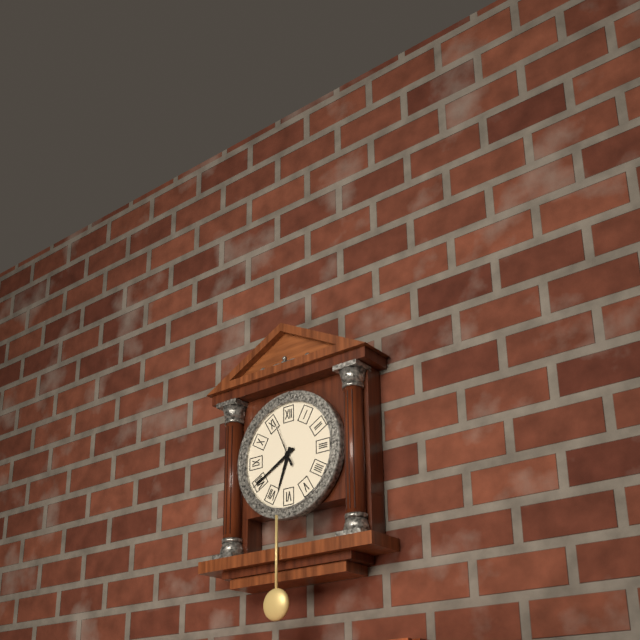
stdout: 6:40
